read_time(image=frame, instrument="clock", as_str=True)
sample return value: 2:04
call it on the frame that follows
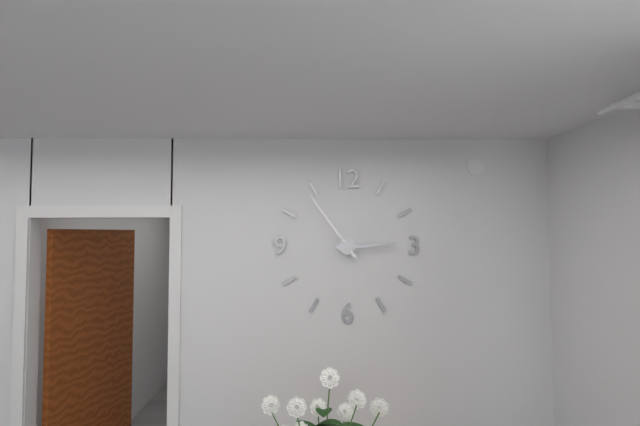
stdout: 2:54
